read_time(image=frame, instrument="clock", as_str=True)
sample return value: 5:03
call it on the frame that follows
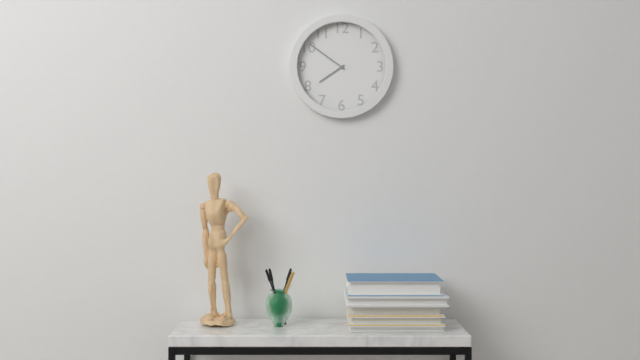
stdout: 7:51
